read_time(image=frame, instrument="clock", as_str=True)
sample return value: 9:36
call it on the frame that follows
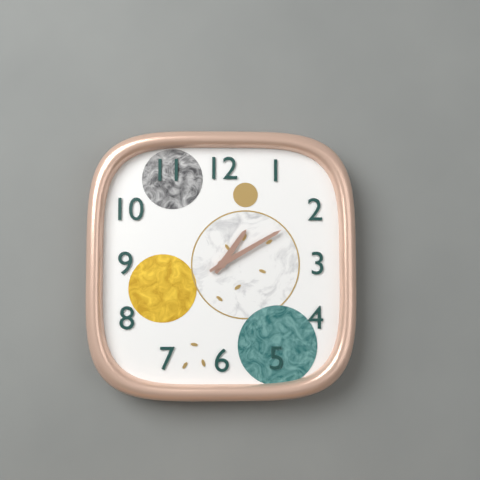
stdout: 1:10
